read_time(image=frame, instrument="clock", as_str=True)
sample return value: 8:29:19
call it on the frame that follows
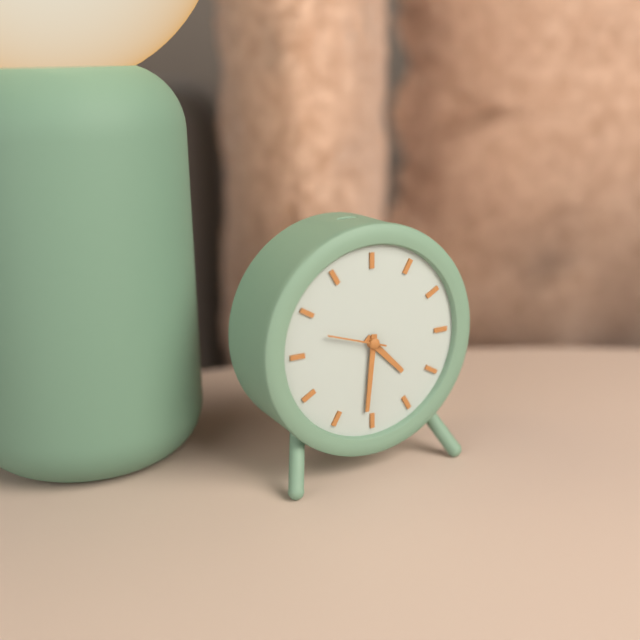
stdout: 4:31:48
